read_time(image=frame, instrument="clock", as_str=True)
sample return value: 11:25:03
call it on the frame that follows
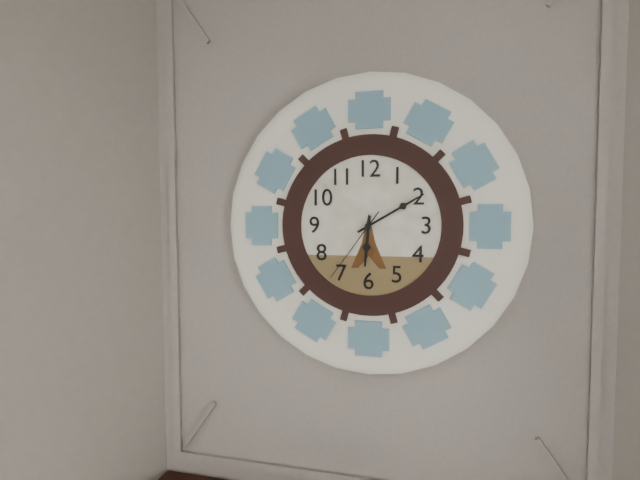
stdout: 6:10:36
